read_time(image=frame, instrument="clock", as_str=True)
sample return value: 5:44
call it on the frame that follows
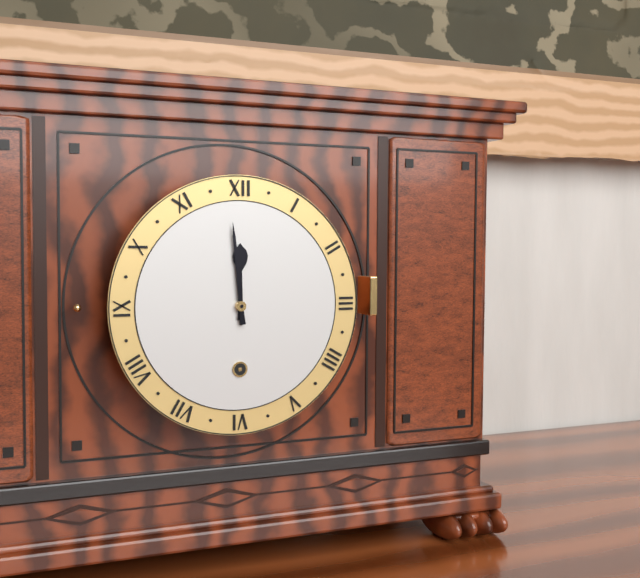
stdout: 11:59
